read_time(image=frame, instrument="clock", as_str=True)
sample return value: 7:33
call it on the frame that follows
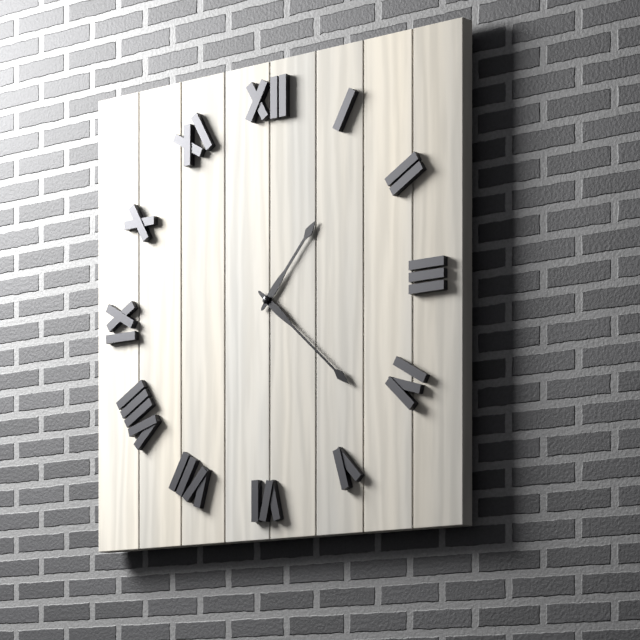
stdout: 1:22
